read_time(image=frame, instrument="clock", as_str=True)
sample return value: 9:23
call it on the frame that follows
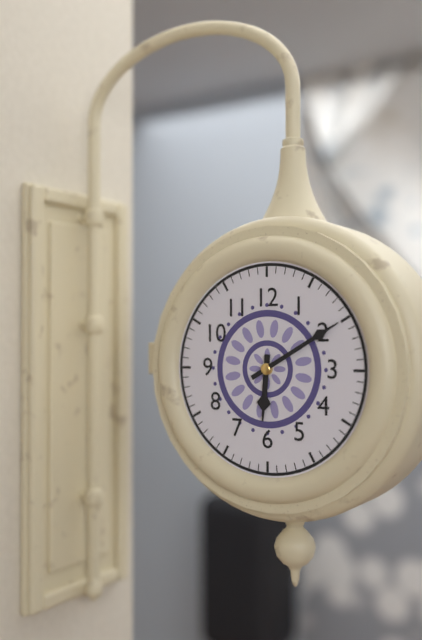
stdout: 6:10
